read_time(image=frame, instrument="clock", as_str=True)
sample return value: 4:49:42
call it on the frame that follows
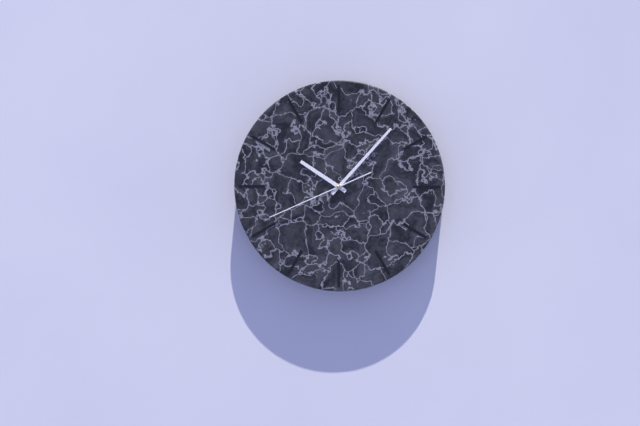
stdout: 10:07:41
